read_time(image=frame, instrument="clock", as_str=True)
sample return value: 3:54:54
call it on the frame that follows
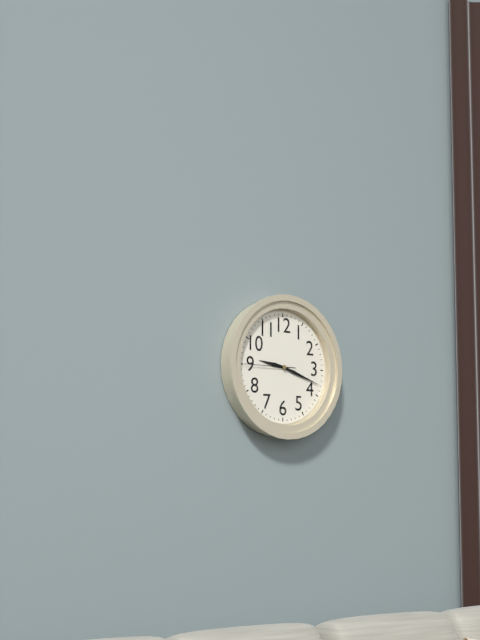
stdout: 9:18:45
